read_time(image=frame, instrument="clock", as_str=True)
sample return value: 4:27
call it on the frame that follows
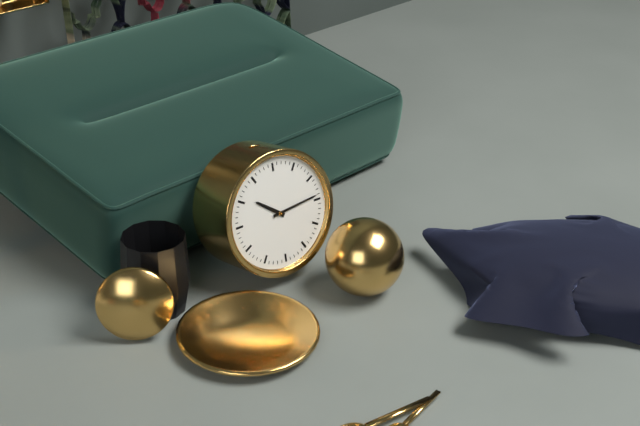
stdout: 10:14
